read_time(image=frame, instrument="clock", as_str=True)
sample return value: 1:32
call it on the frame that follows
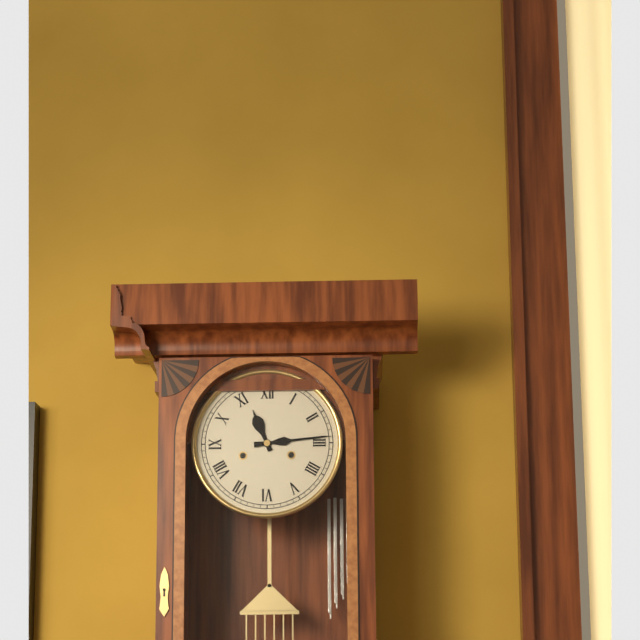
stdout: 11:14
